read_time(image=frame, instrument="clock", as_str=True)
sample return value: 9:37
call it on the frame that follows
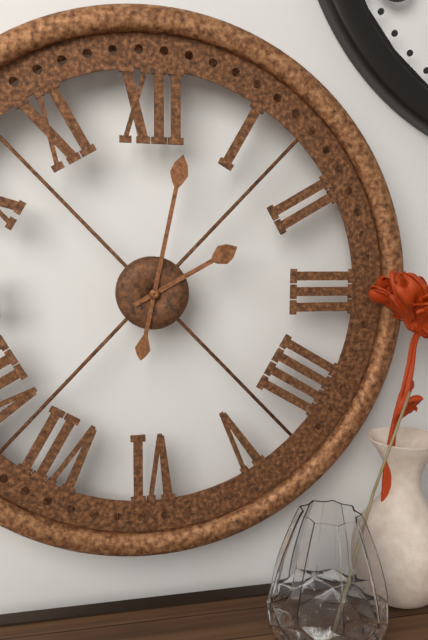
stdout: 2:02
